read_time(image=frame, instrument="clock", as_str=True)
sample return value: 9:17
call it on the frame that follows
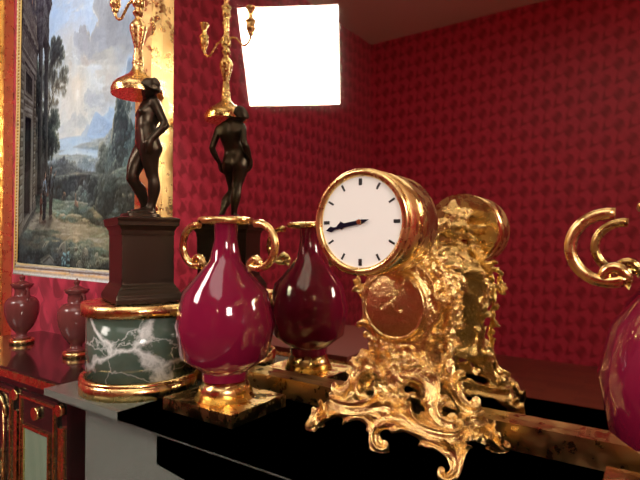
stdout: 8:43
